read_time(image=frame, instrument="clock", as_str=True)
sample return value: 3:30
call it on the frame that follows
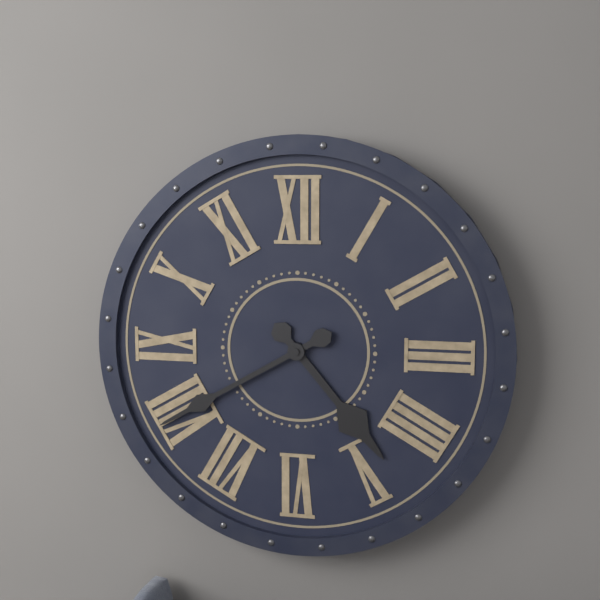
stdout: 4:40
